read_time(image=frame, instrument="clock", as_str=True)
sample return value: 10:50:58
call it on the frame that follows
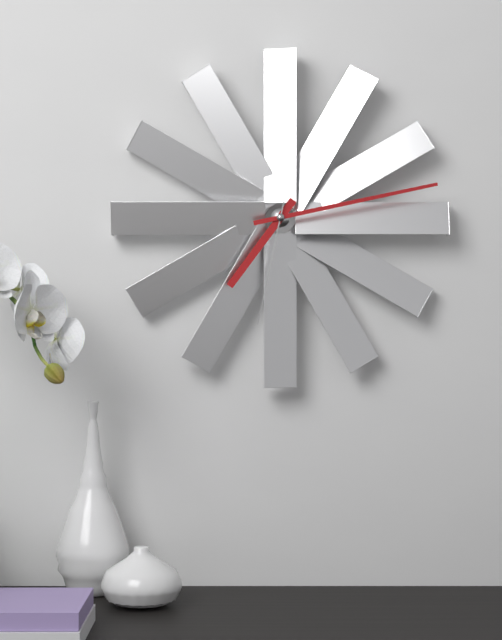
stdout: 7:13:32
